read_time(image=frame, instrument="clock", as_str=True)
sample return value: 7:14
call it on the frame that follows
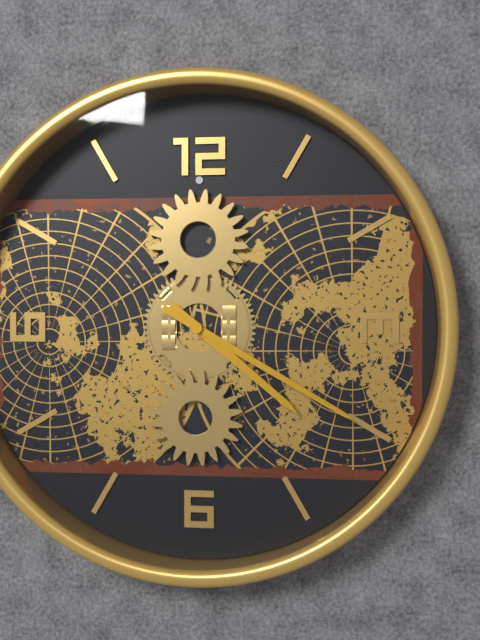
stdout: 4:20
